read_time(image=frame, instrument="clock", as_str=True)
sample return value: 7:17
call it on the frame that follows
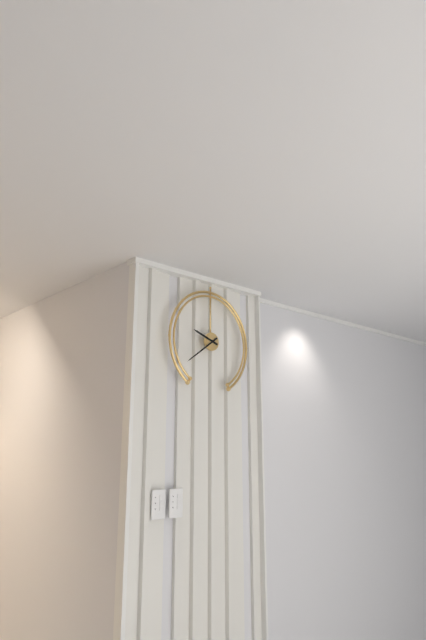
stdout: 9:39
